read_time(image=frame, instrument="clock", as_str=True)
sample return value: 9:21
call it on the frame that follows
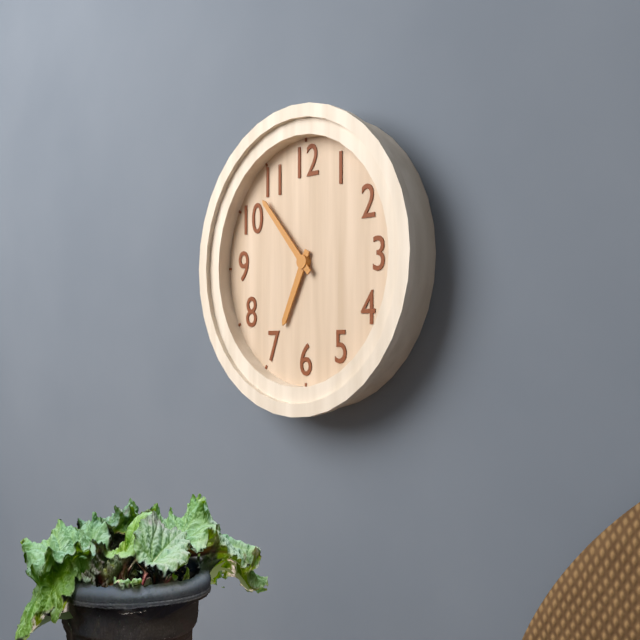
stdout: 6:53
